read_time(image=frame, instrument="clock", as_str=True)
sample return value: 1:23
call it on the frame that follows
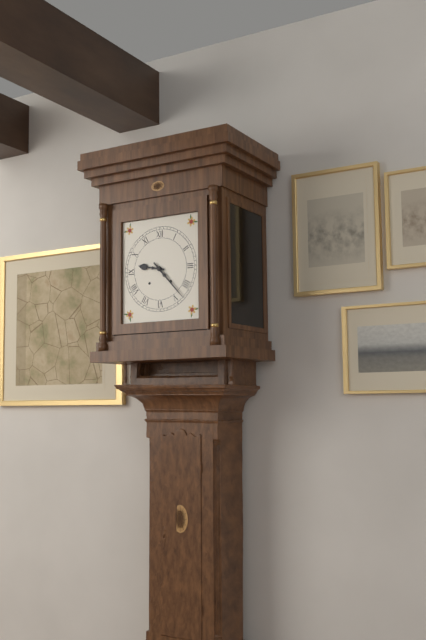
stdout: 9:23
